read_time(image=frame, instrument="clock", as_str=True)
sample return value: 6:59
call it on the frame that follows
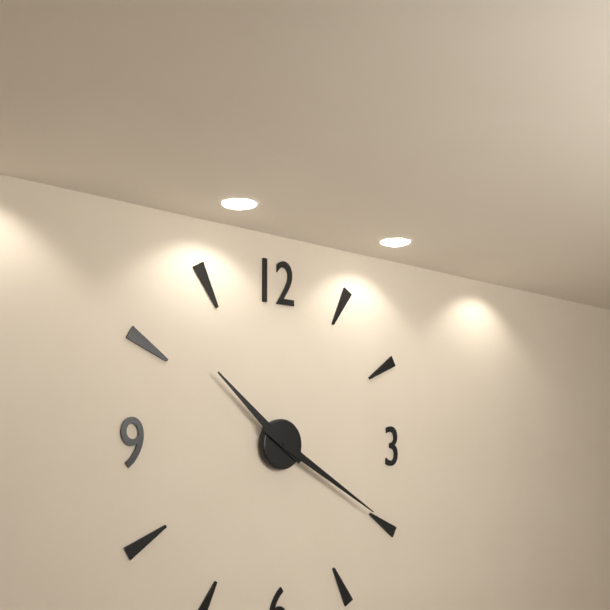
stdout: 10:20
